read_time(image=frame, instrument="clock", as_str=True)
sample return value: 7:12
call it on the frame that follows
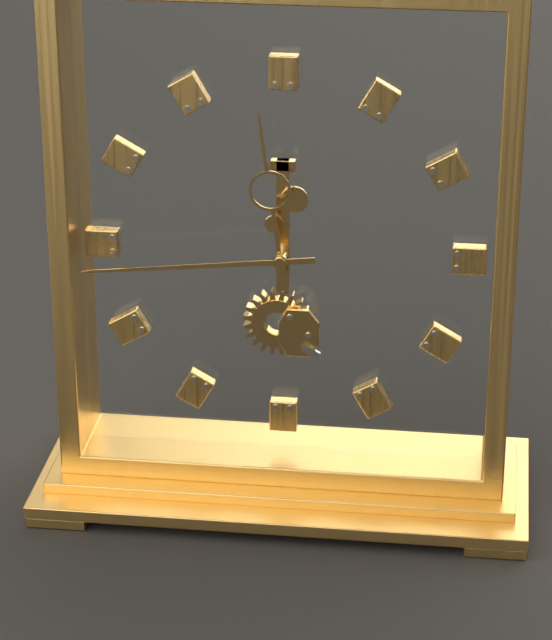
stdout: 11:44
